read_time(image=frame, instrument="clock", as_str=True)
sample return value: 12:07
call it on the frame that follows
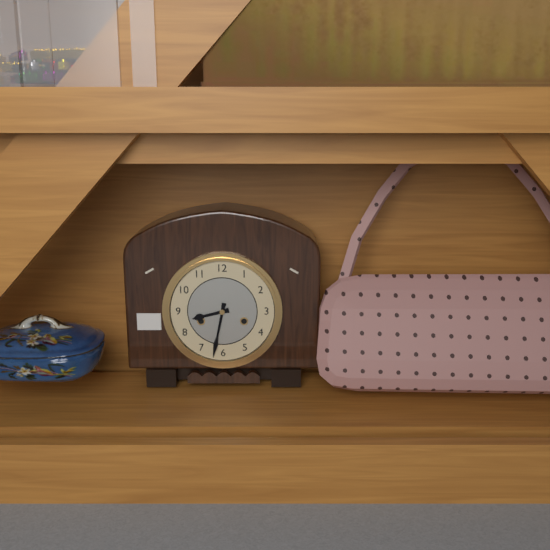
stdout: 8:32
